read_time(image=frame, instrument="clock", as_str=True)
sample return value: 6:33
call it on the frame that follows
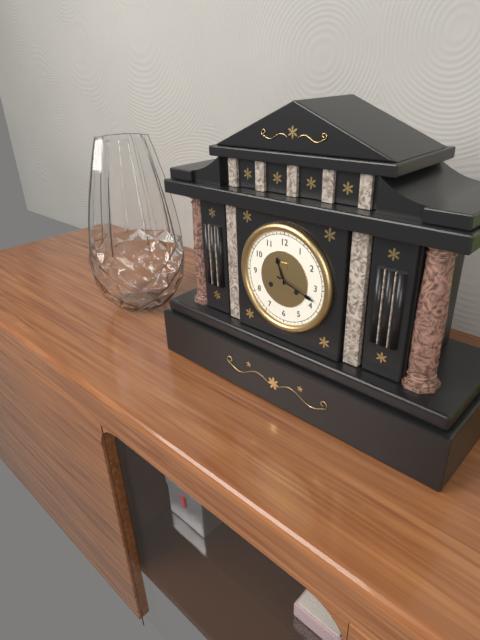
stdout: 11:18
